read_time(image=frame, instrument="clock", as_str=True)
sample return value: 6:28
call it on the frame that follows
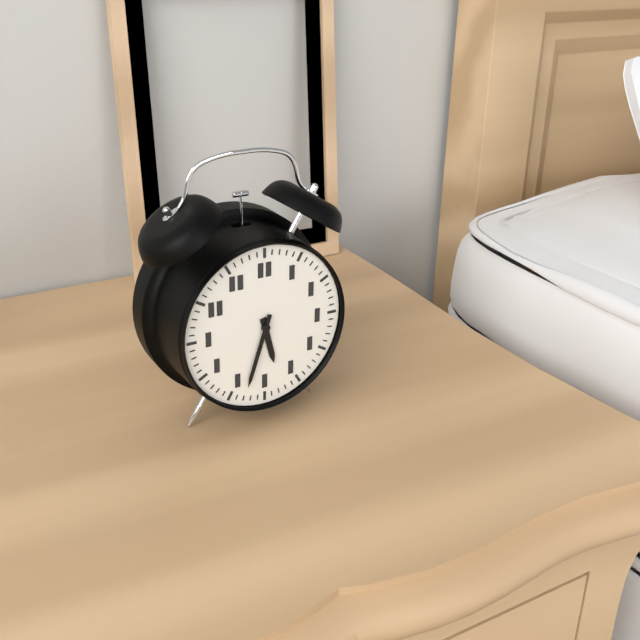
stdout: 5:33
